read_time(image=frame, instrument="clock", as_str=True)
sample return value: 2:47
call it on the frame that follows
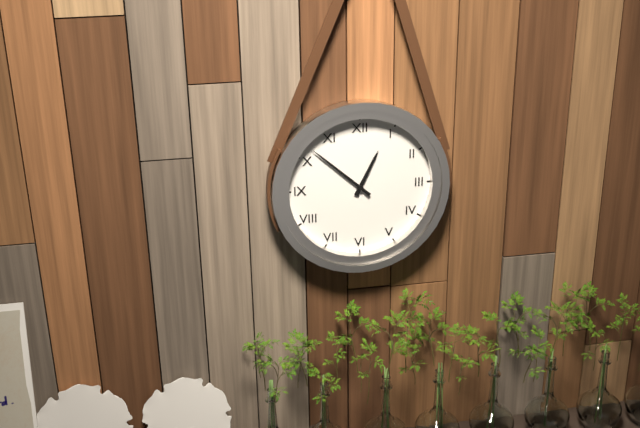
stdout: 12:52
